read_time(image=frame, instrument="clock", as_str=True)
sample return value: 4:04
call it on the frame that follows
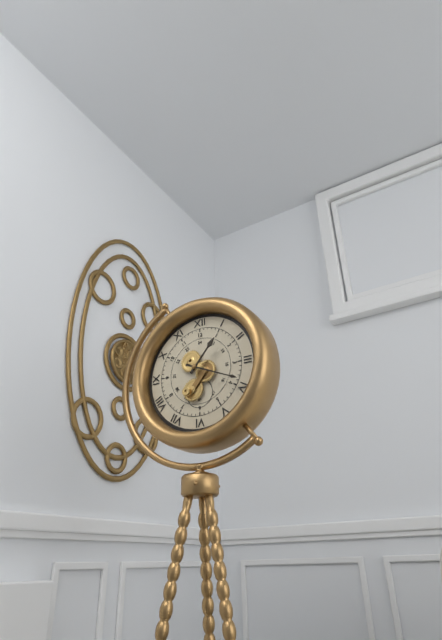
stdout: 1:19
